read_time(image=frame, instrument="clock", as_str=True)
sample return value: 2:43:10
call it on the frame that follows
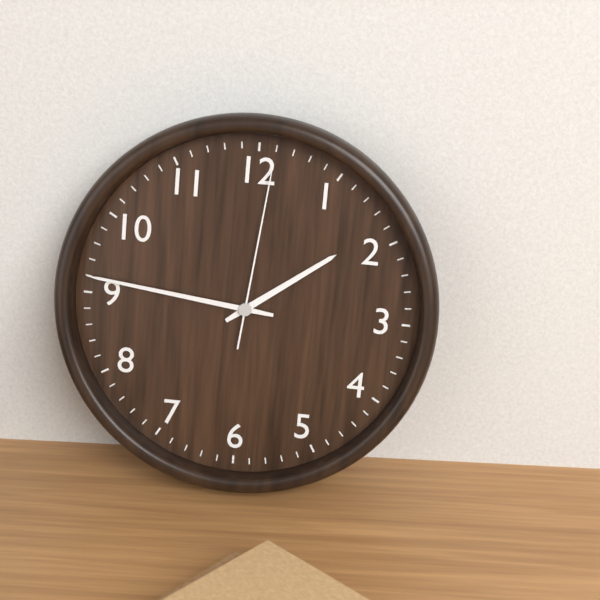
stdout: 1:46:01
